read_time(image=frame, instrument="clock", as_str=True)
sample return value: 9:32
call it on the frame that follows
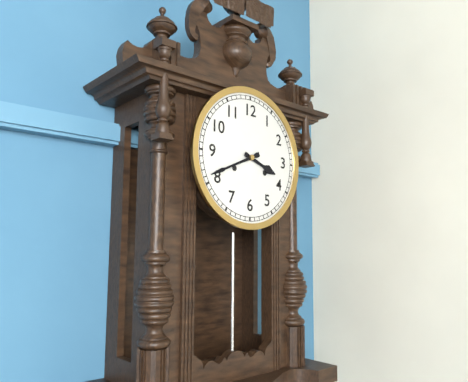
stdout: 3:41
